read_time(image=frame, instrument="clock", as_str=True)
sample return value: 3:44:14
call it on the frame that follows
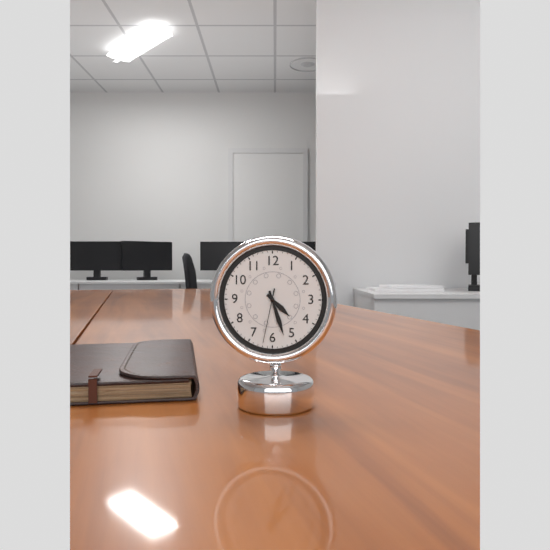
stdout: 4:27:32
